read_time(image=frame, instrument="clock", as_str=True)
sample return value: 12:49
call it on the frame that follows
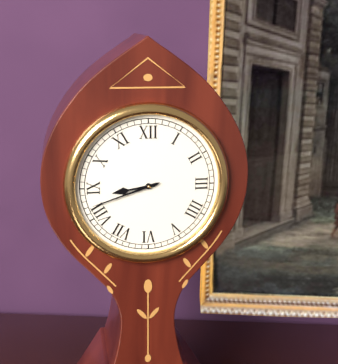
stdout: 8:42
